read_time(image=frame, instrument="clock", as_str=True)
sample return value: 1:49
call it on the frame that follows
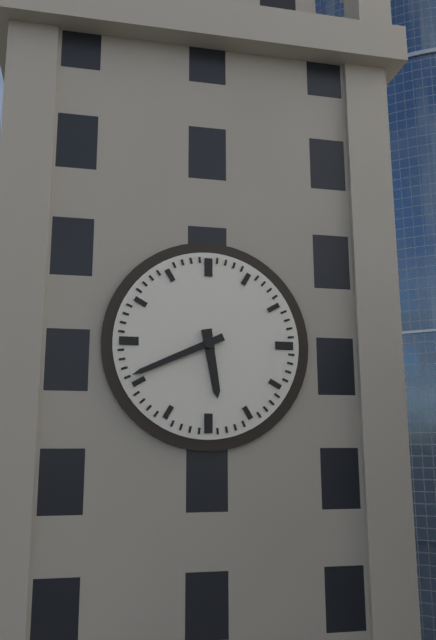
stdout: 5:41
